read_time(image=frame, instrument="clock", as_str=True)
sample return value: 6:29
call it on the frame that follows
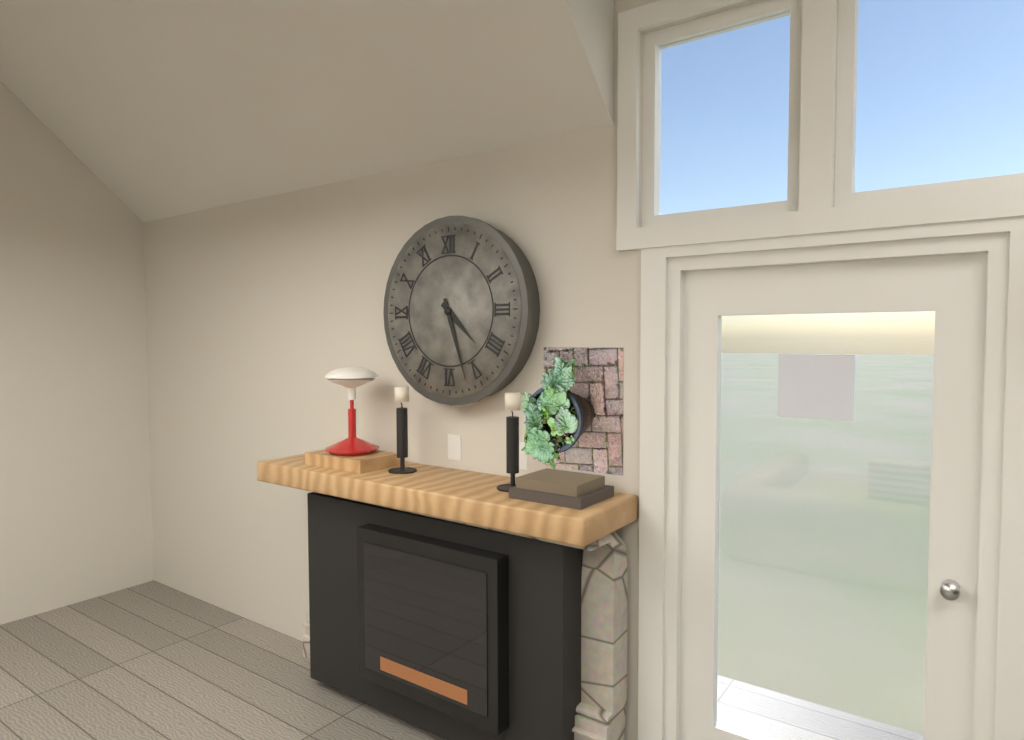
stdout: 4:27
